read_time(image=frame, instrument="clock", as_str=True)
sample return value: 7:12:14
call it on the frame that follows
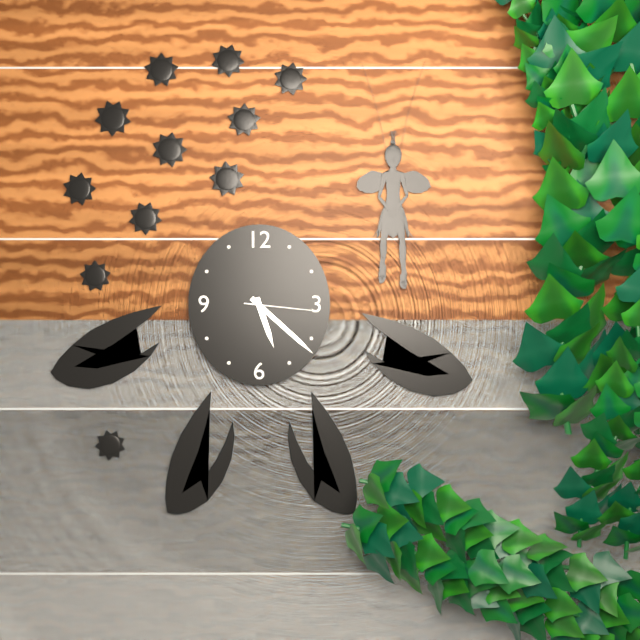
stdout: 5:22:16
